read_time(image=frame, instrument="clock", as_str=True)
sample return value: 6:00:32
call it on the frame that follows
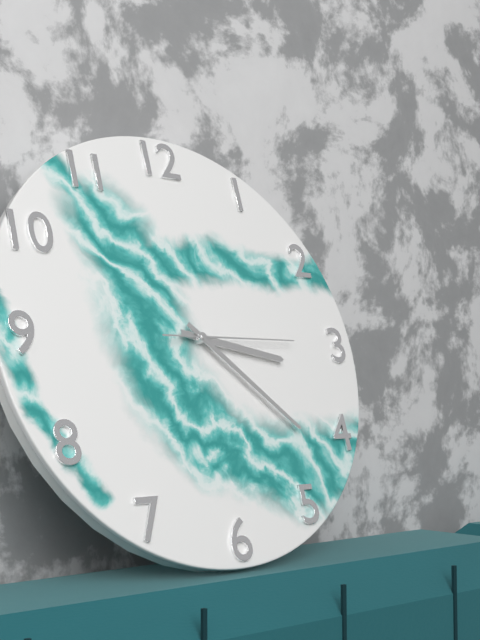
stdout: 3:22:15
